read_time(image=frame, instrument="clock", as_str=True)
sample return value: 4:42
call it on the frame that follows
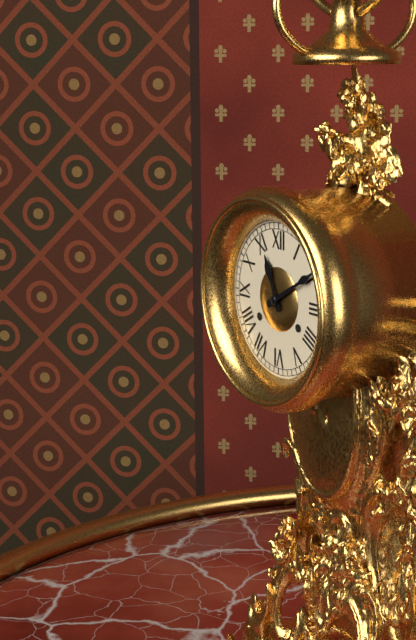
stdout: 11:10
